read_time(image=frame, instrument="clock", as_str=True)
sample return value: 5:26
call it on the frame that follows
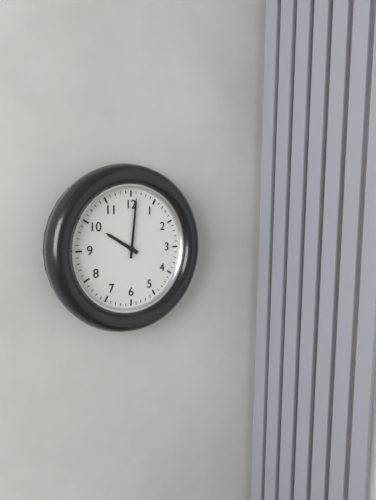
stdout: 10:01
